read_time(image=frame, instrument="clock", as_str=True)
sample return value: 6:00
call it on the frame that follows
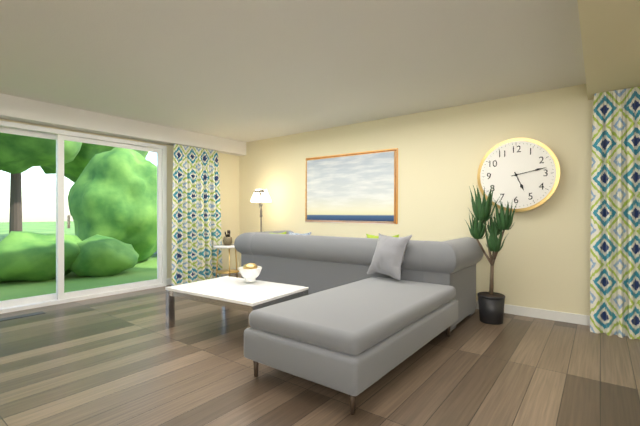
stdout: 5:13
